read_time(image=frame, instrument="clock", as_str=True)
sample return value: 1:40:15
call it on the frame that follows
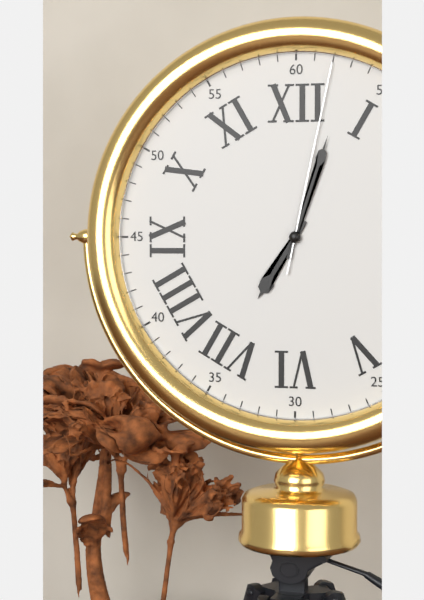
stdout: 7:03:02
